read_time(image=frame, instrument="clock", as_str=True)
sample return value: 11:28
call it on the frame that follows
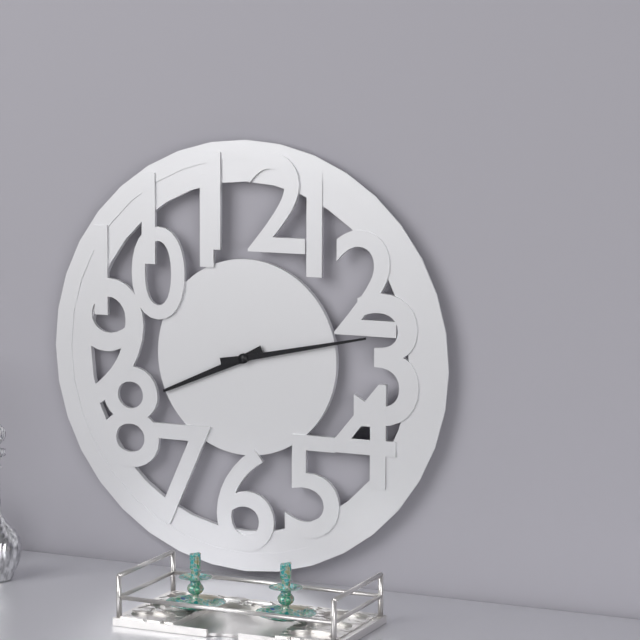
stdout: 8:13
